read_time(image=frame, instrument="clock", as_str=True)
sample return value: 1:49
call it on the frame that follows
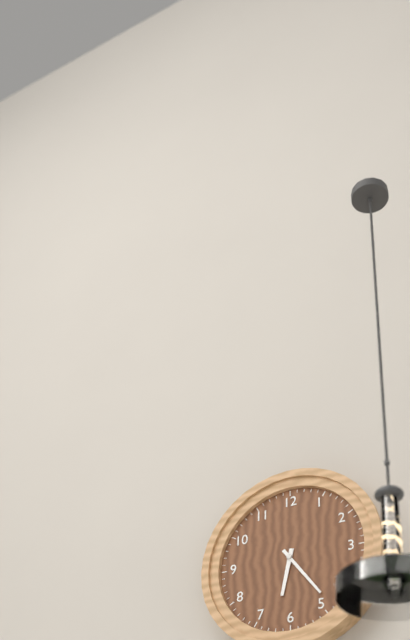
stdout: 6:24
